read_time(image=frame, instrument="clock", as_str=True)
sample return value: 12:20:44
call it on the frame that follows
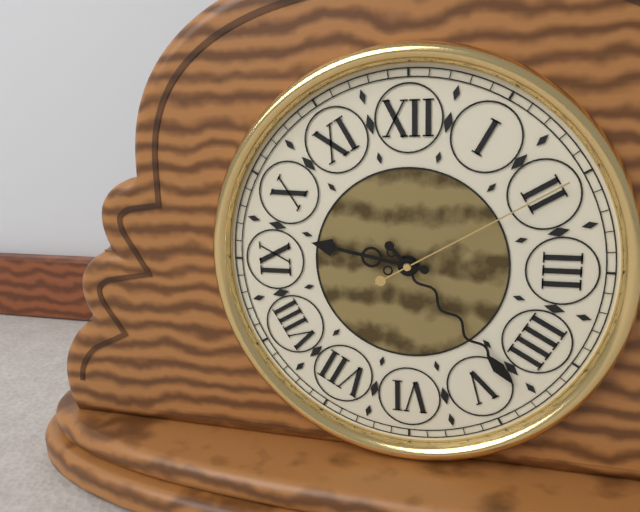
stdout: 9:23:10
